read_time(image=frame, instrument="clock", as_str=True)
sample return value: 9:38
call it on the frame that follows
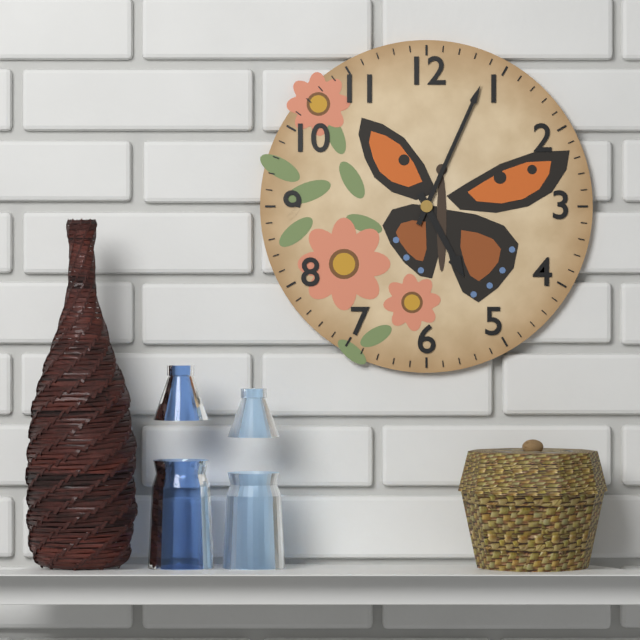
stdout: 5:04
